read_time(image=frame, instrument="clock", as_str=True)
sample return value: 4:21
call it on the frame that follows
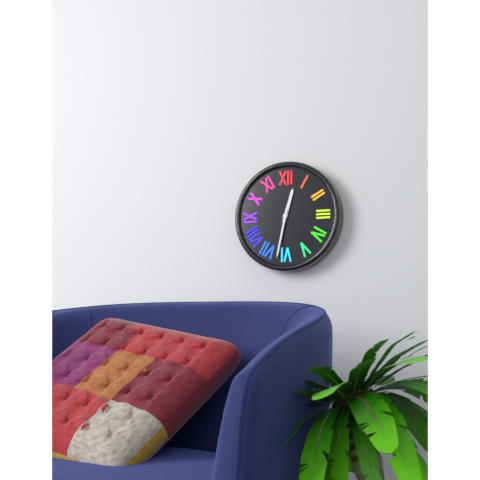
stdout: 12:32
